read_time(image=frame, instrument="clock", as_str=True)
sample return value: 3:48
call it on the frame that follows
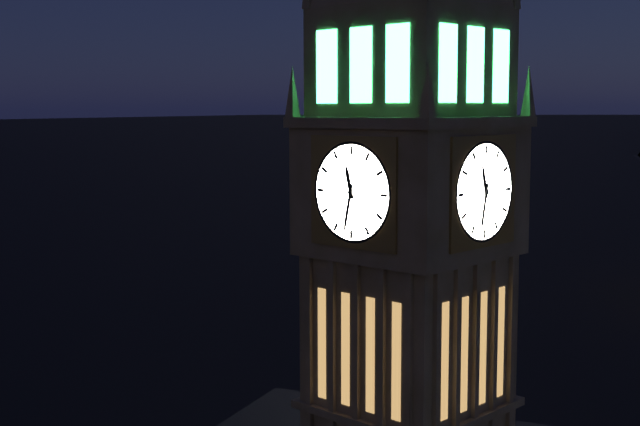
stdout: 11:32
